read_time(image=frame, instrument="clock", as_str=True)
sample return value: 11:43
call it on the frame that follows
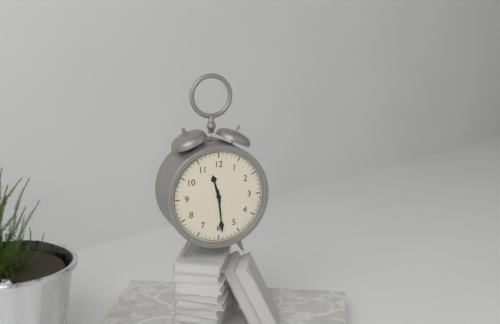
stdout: 11:29
